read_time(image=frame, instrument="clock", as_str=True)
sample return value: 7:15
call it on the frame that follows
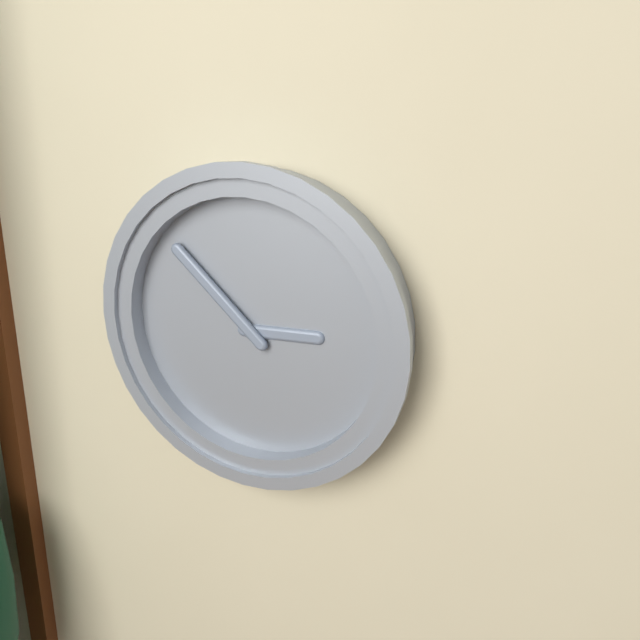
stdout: 2:52
